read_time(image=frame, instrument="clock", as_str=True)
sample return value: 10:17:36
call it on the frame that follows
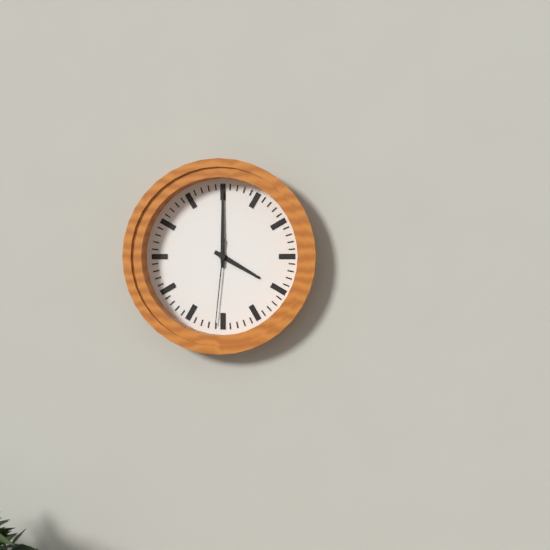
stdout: 4:00:31
